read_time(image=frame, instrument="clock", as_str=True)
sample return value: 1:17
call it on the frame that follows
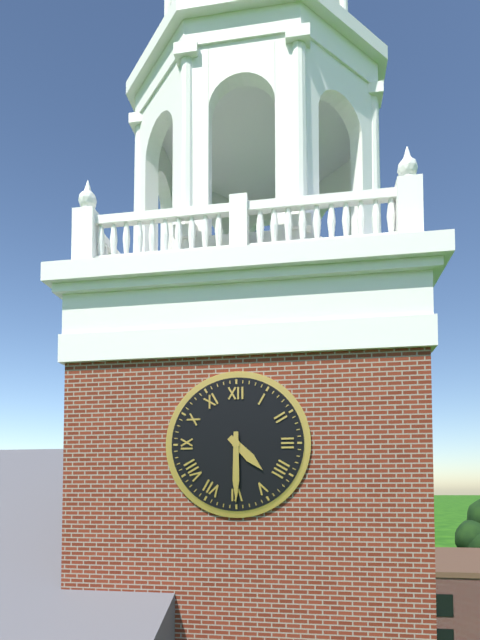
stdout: 4:30
